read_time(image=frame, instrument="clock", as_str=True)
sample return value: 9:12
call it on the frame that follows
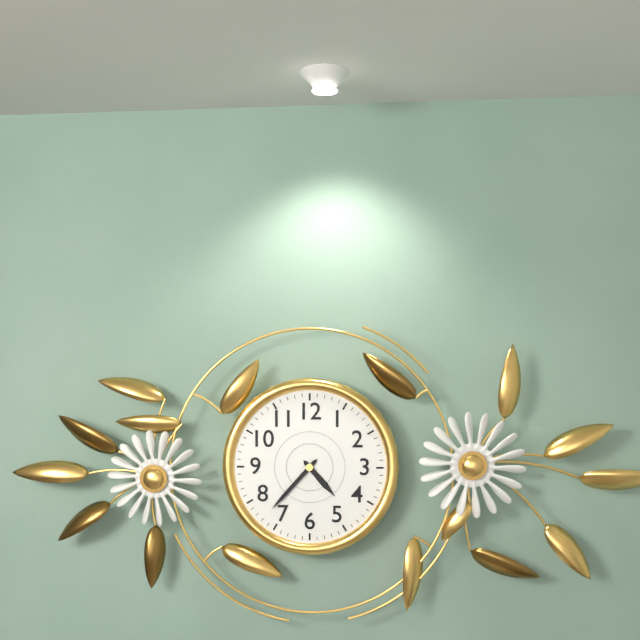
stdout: 4:37
